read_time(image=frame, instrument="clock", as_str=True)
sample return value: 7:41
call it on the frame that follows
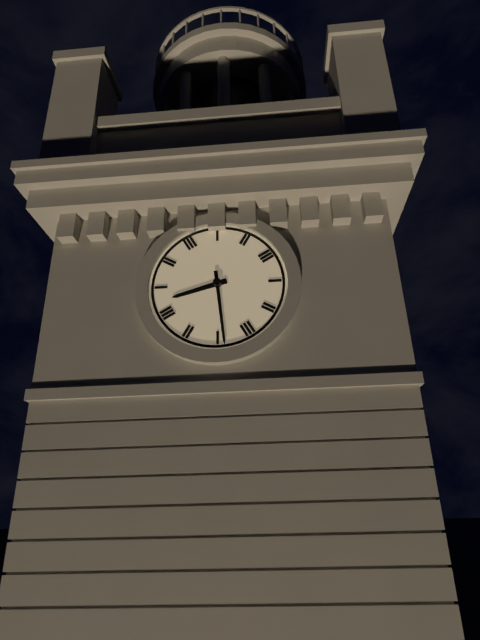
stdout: 8:29
